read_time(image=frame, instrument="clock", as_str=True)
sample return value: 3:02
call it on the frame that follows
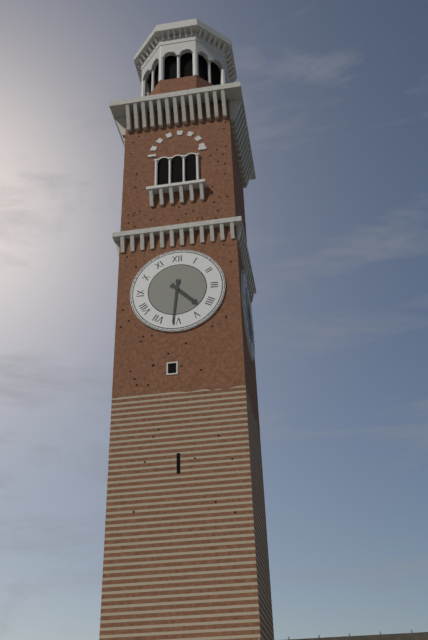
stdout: 4:31
